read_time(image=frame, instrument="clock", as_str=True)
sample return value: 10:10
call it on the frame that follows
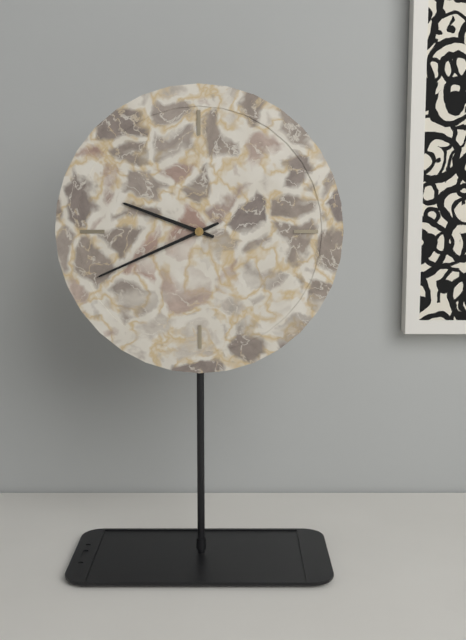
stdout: 9:41
